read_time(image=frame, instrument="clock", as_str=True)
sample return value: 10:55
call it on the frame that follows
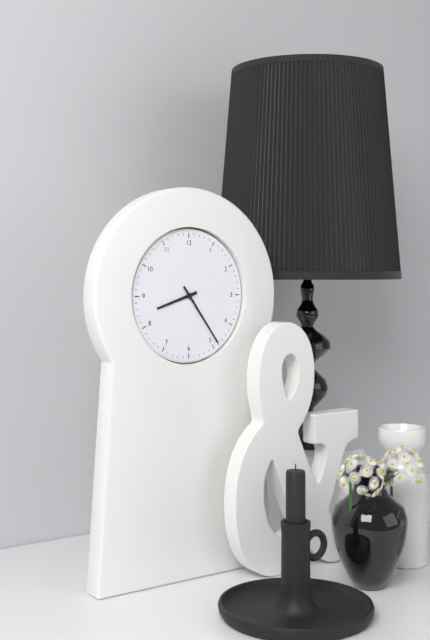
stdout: 8:24
